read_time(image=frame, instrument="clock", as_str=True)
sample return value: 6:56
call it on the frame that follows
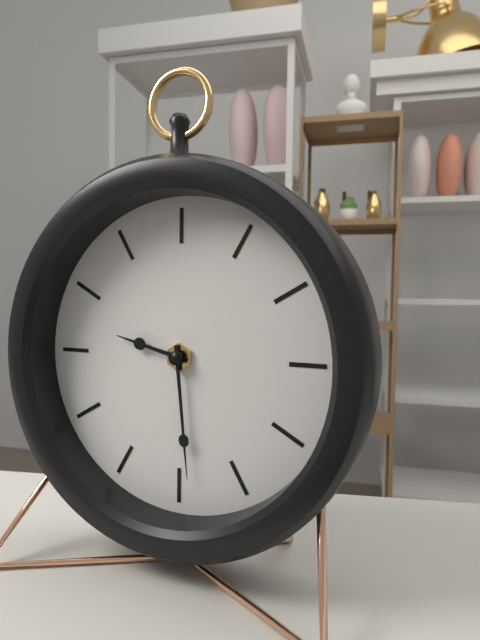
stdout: 9:29
